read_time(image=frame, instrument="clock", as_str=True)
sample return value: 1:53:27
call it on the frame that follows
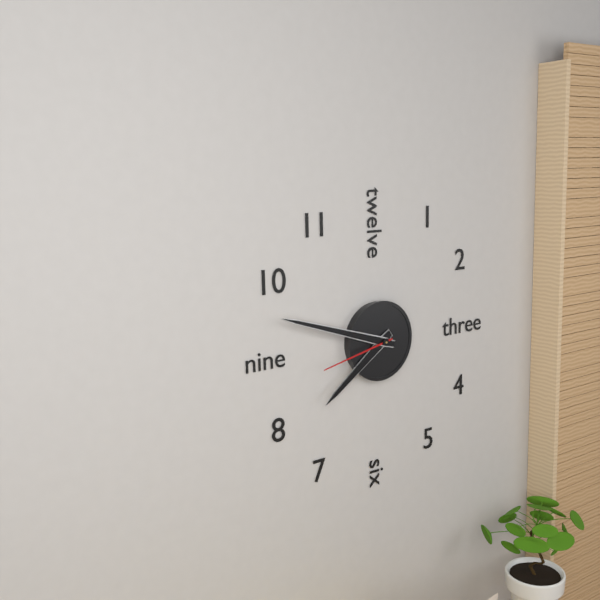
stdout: 7:48:43
